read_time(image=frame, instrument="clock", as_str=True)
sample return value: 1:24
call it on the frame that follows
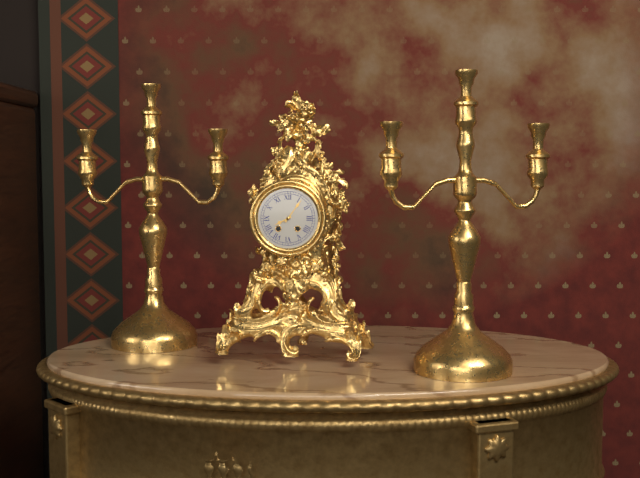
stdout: 8:06
